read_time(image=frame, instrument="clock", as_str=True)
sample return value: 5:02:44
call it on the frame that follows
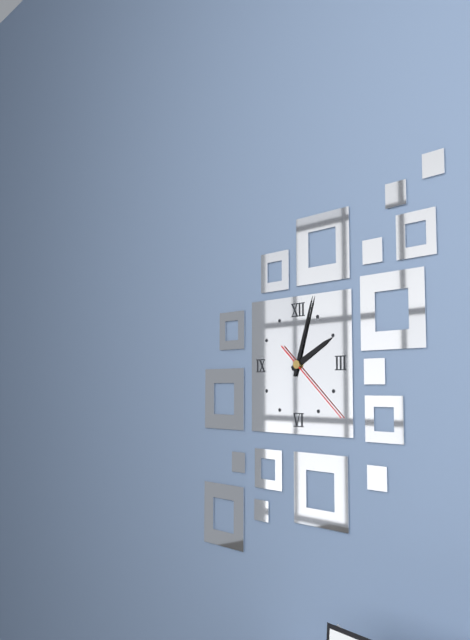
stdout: 2:03:22
